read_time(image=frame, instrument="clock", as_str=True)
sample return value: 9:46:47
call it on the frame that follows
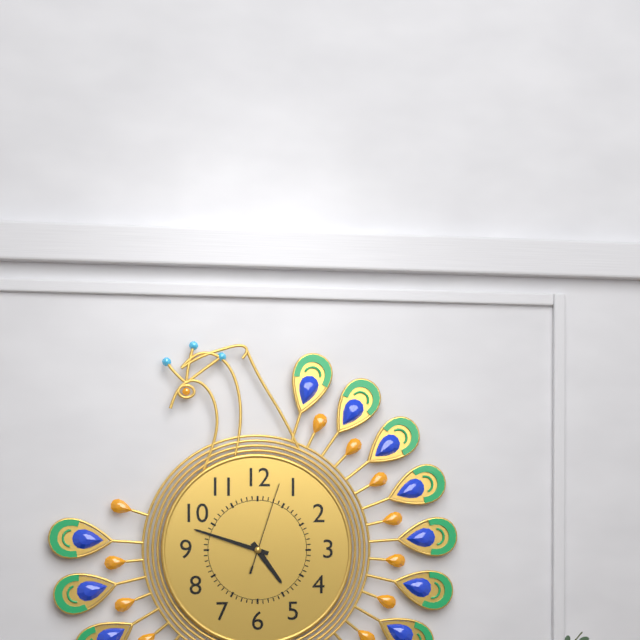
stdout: 4:48:03
